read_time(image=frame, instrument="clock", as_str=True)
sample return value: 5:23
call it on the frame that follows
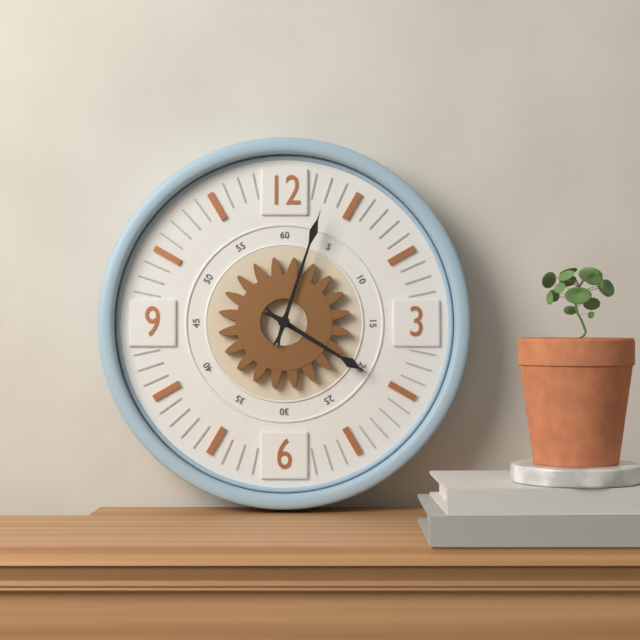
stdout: 4:03
